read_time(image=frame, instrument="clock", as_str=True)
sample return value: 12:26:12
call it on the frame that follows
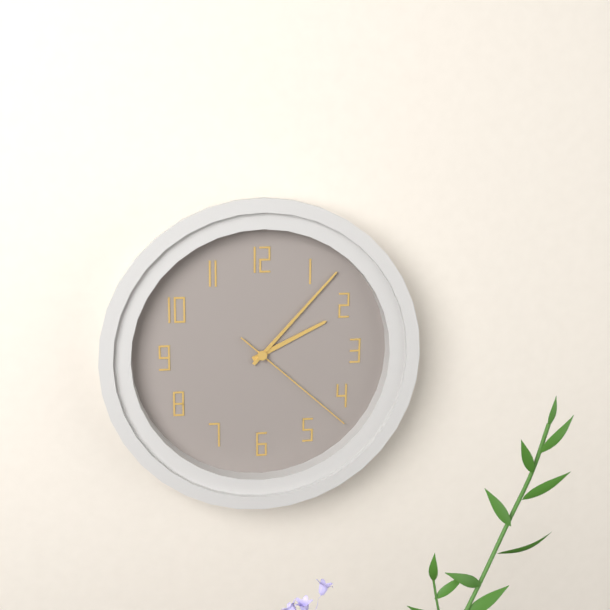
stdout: 2:07:22
